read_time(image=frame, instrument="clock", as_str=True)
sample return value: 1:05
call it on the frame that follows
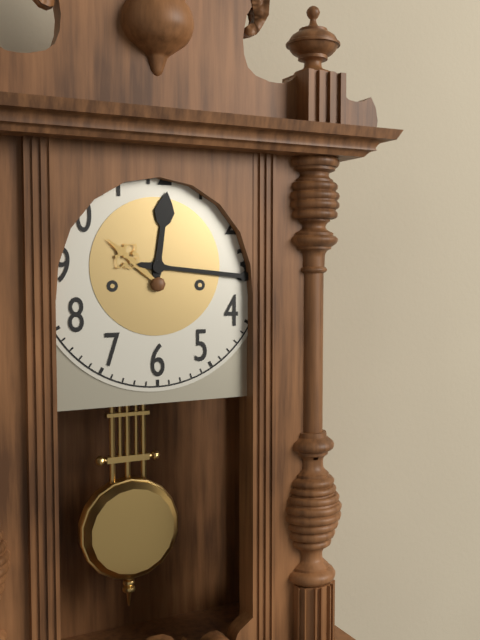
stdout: 12:16
